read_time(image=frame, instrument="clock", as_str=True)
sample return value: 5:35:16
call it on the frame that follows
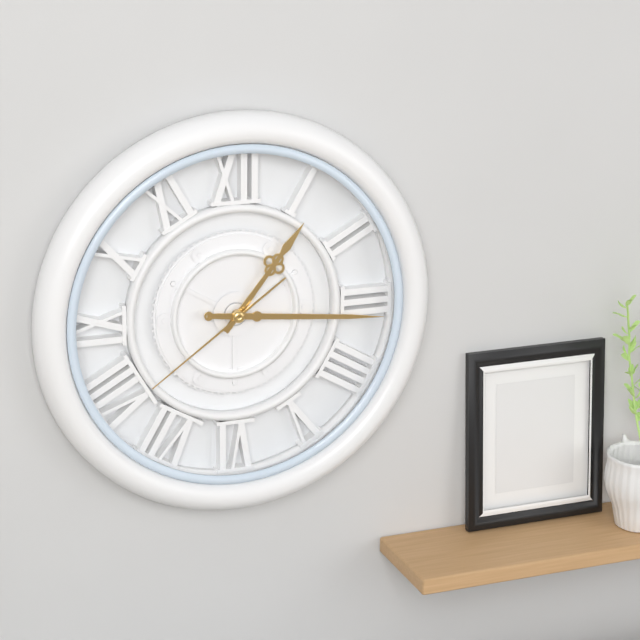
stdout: 1:16:39
